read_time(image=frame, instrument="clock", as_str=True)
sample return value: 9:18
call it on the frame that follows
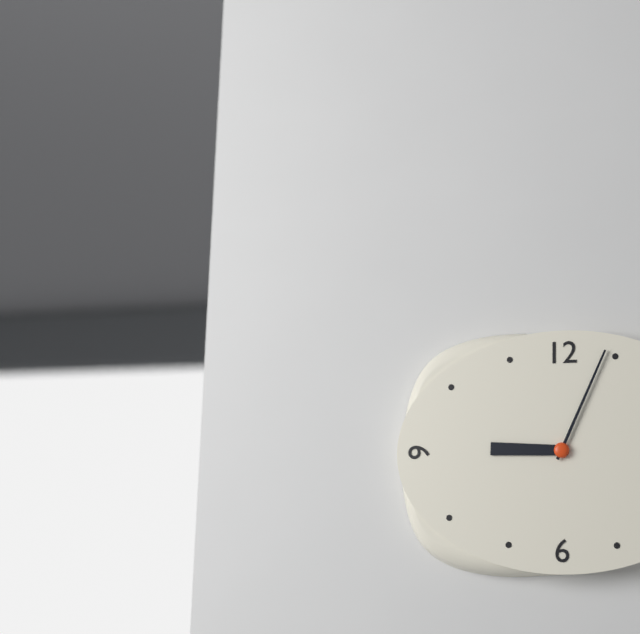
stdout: 9:04
